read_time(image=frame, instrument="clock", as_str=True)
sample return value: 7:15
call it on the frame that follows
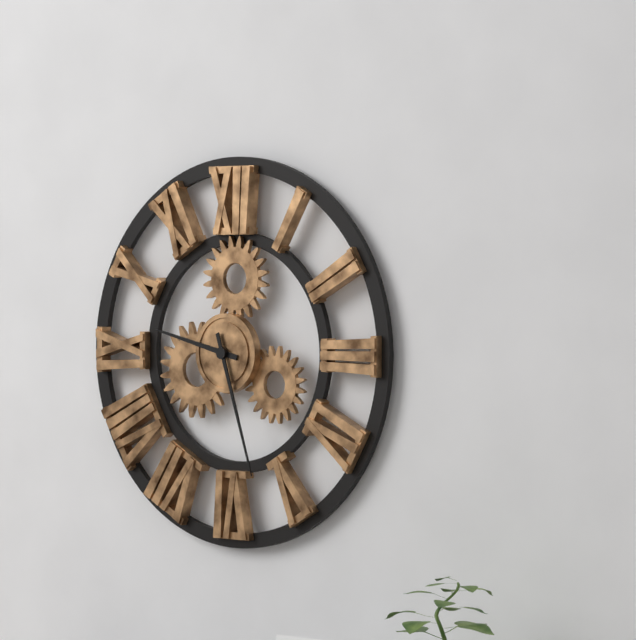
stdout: 9:27
